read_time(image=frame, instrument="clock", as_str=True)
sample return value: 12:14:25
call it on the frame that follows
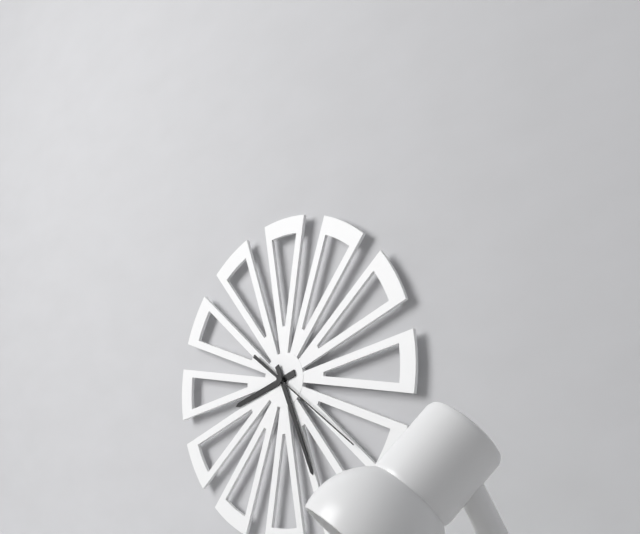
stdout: 8:26:21
